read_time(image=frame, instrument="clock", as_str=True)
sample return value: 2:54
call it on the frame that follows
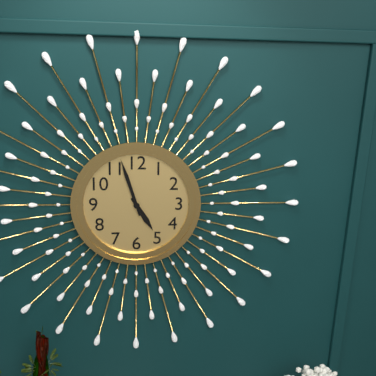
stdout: 4:57
